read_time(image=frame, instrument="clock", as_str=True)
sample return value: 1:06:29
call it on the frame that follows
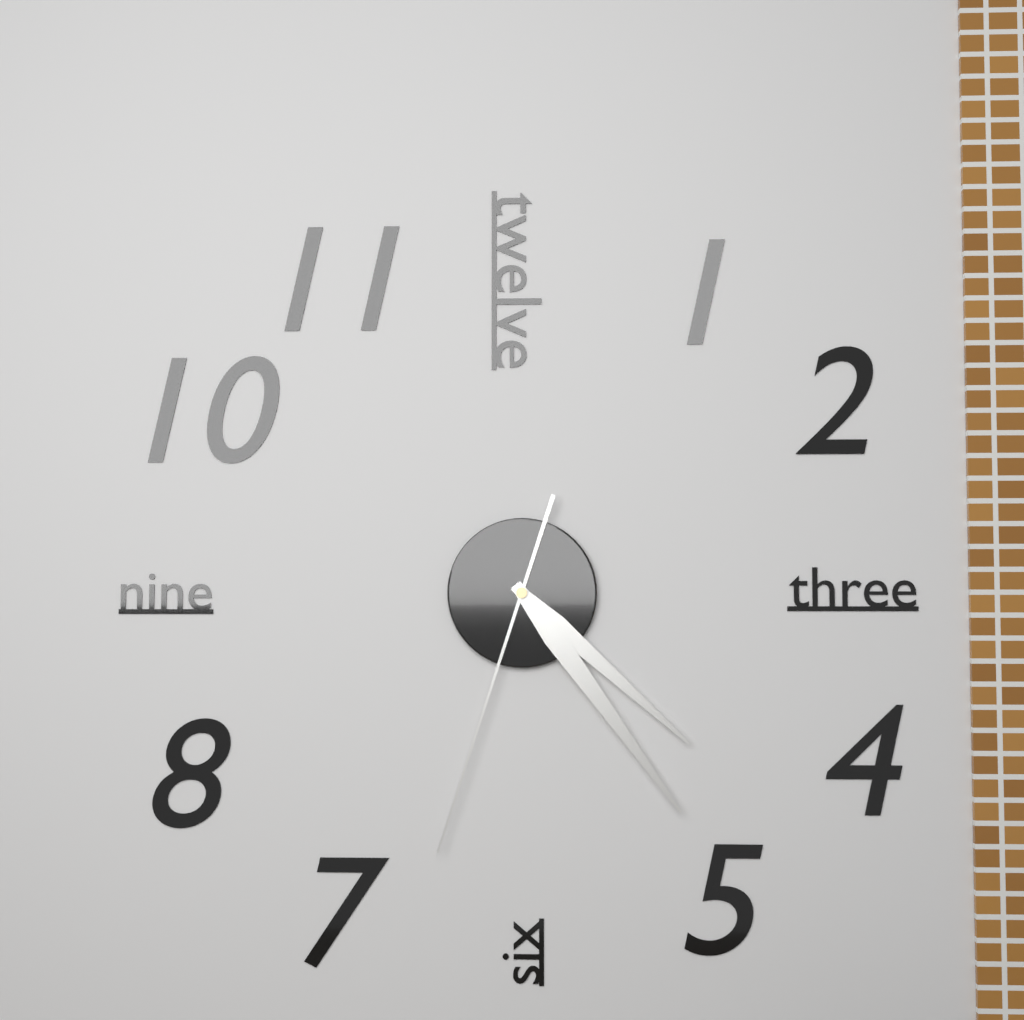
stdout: 4:24:33
